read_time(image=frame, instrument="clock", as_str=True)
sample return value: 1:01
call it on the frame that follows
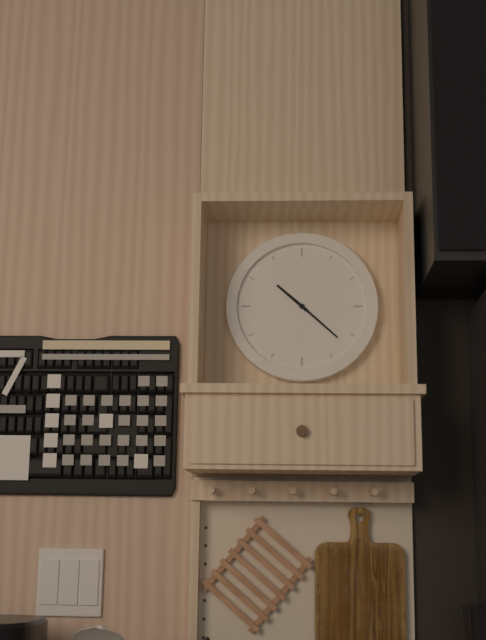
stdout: 10:22
